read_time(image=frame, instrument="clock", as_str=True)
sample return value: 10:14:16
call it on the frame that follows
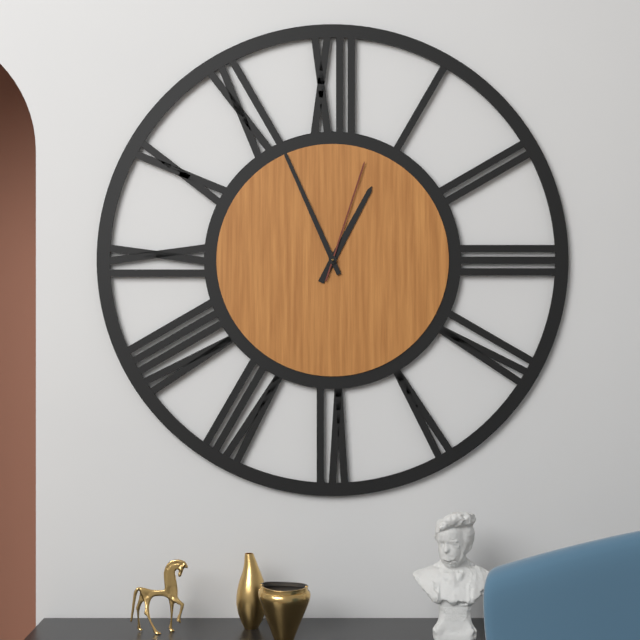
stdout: 12:56:03
